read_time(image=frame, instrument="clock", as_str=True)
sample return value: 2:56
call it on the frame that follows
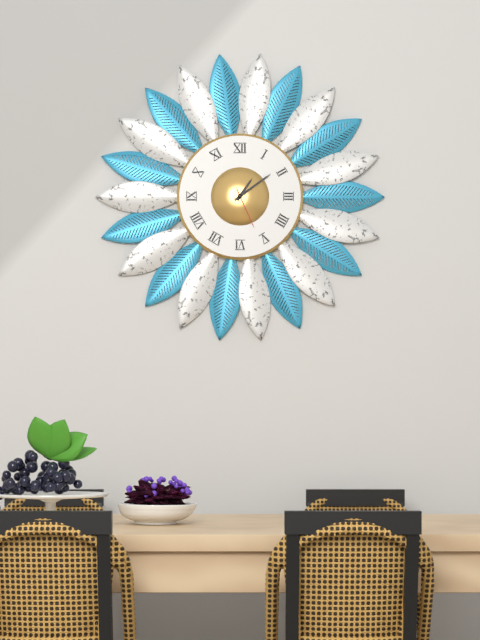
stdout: 1:09
